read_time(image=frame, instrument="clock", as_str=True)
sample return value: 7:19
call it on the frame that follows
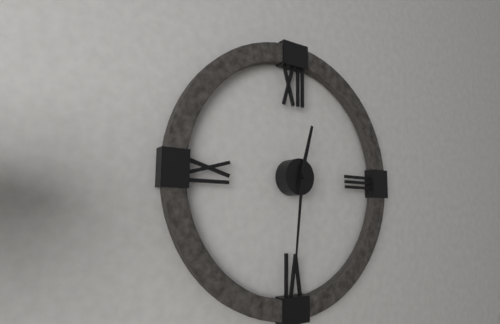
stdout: 12:31
